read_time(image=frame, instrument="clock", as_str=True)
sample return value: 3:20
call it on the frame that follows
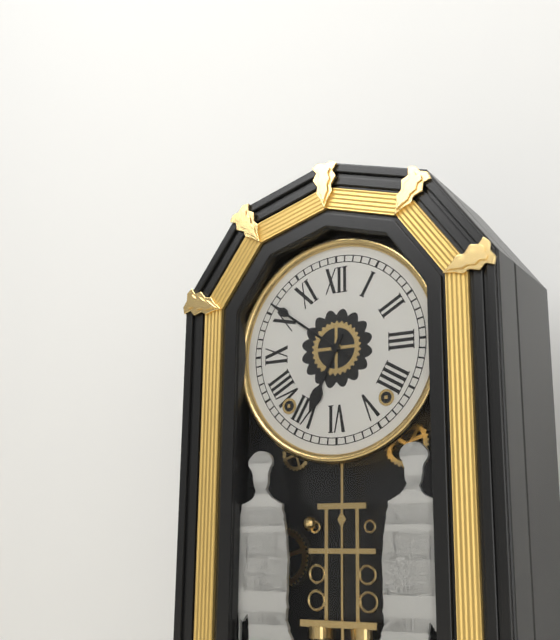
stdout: 6:51
